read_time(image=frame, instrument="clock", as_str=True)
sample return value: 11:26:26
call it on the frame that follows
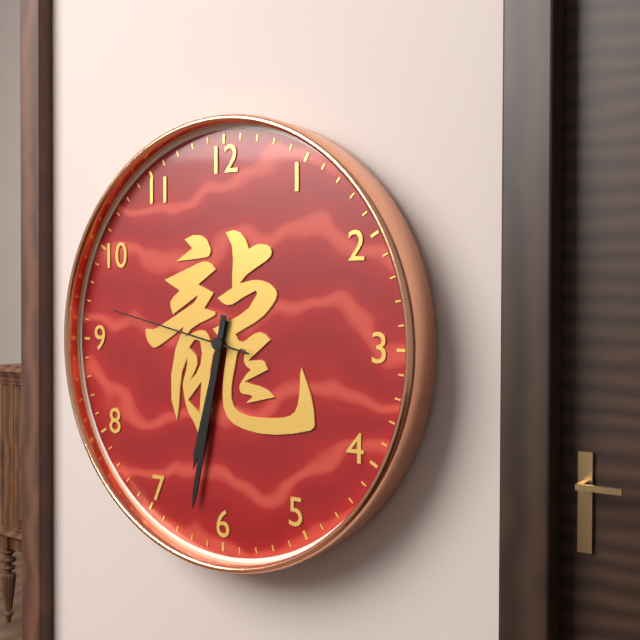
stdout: 6:32:47
